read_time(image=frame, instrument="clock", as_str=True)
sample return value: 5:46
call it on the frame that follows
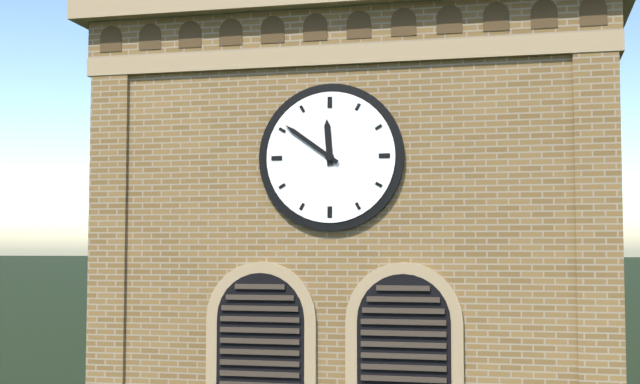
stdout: 11:51
